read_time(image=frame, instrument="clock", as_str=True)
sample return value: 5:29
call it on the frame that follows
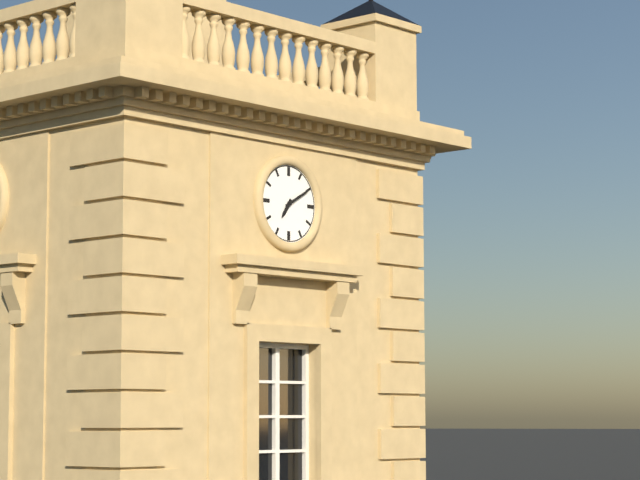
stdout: 7:10
